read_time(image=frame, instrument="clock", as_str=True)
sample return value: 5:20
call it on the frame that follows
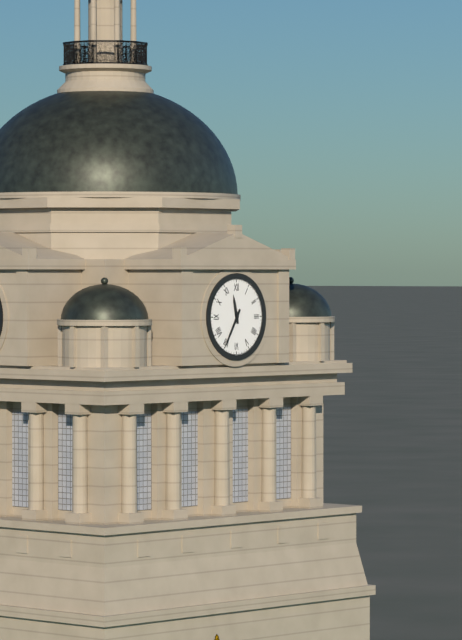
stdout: 11:35
